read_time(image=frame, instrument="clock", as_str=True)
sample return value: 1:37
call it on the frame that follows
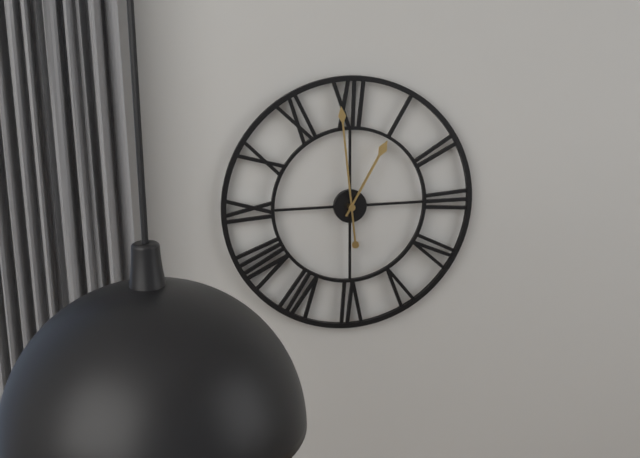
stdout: 12:59
